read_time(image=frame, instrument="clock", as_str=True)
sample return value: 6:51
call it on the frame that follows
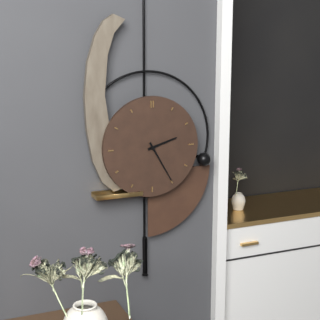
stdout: 2:25
